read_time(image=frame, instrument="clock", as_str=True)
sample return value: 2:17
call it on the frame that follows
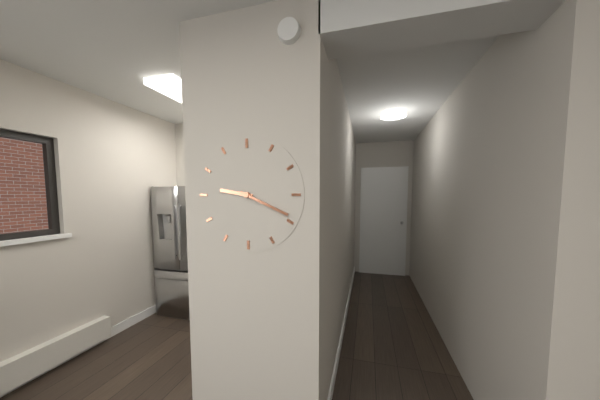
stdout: 9:19
